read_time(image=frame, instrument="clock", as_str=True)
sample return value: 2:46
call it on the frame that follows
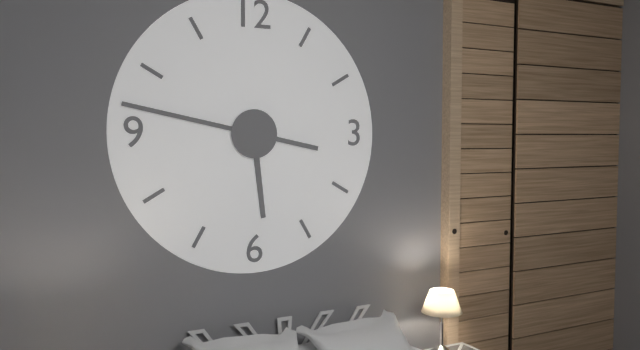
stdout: 5:47
